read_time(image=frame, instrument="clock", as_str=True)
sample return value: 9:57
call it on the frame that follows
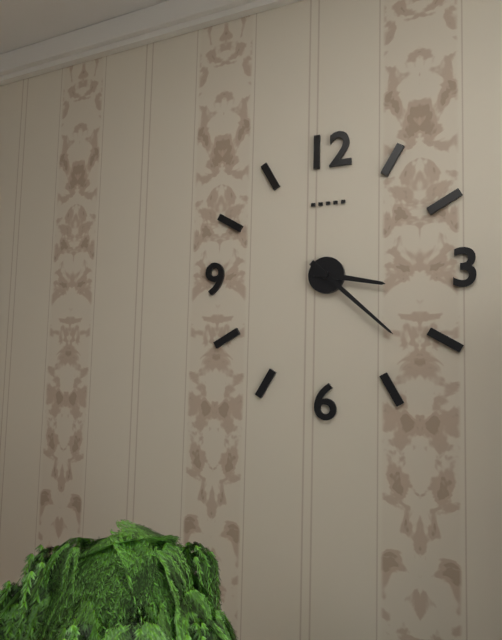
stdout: 3:22
